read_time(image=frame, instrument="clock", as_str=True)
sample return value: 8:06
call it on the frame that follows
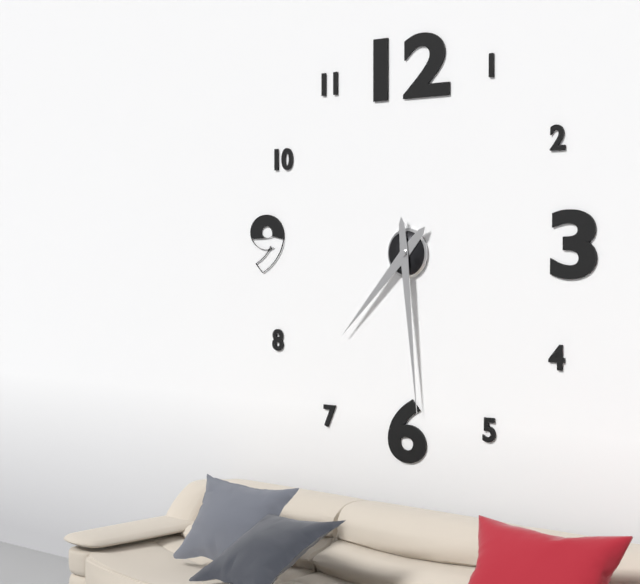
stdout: 7:29
